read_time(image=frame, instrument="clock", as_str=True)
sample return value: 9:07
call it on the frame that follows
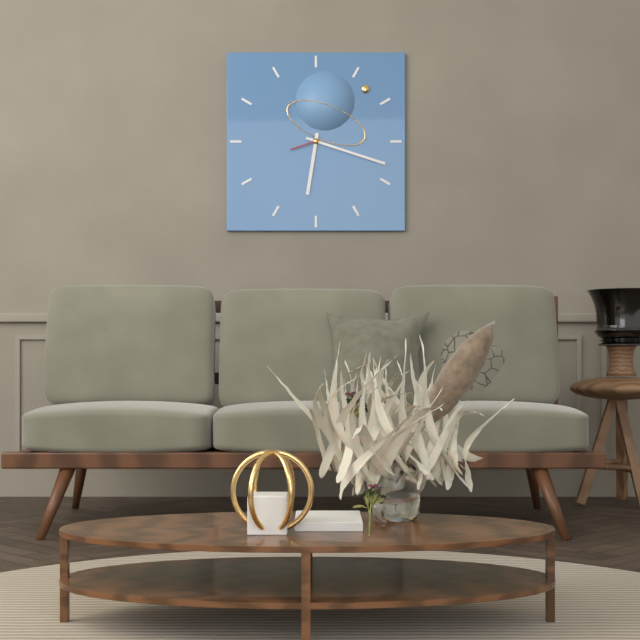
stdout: 6:18
